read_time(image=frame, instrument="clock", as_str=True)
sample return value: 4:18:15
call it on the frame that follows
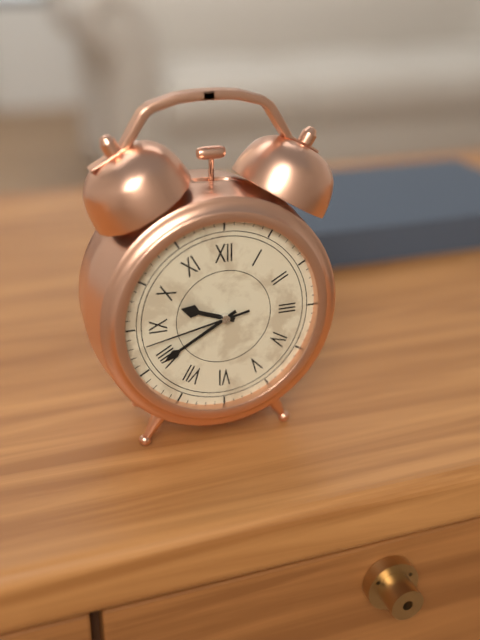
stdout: 9:40:43
